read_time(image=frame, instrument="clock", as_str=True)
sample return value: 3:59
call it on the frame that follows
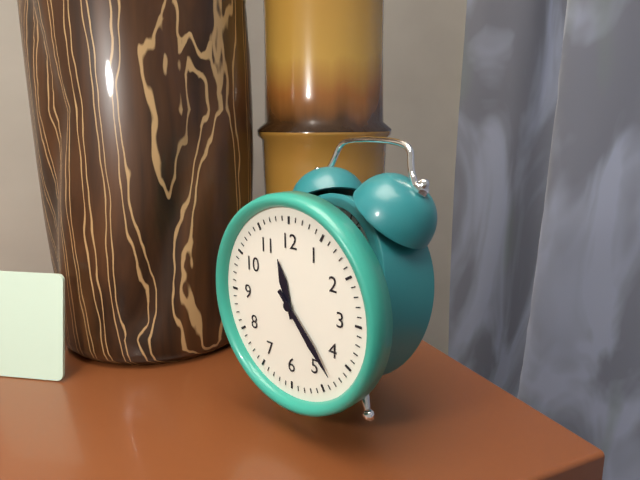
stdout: 11:23
